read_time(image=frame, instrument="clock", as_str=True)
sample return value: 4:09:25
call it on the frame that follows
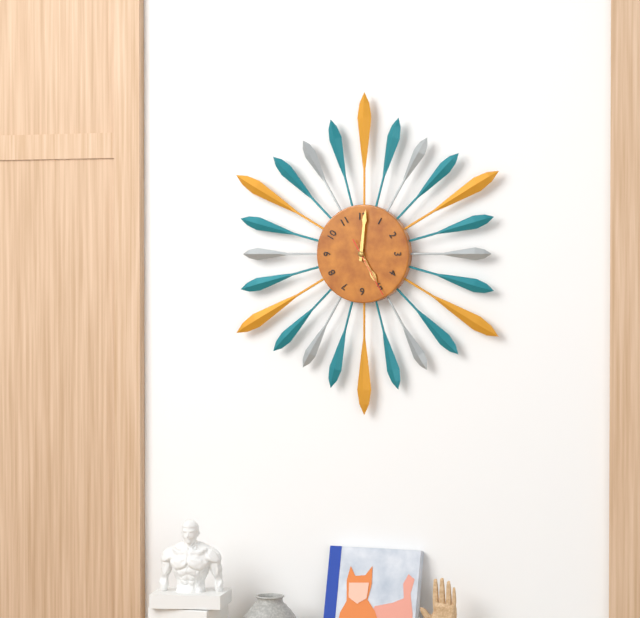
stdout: 5:01:25
